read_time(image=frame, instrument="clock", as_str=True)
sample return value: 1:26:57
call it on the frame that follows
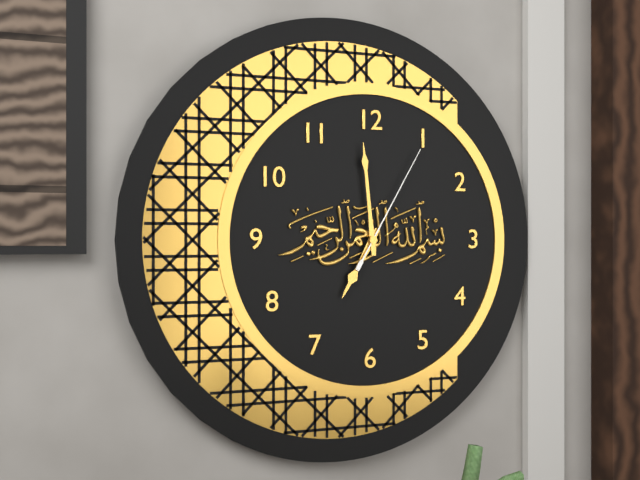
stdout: 6:59:05
